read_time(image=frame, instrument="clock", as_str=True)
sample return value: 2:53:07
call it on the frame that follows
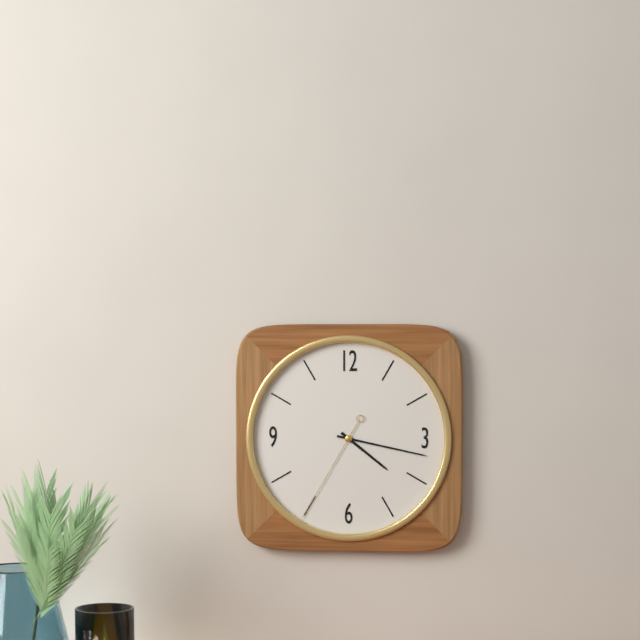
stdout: 4:17:35
